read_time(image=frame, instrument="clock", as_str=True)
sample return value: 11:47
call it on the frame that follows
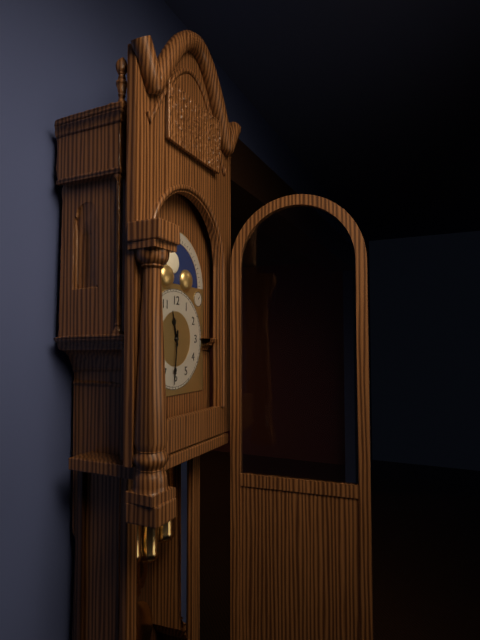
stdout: 11:31
